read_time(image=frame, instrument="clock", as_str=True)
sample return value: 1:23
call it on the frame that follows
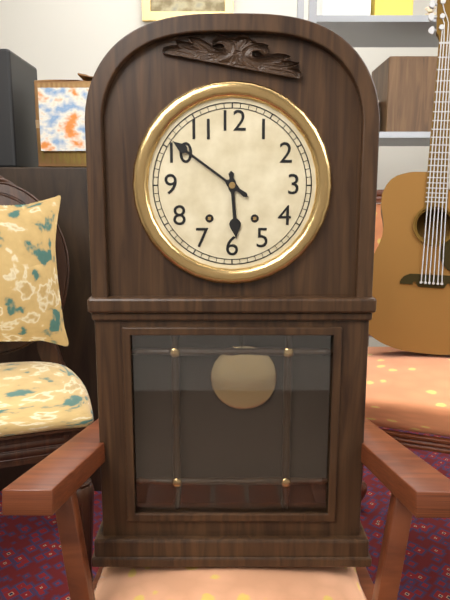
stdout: 5:51
